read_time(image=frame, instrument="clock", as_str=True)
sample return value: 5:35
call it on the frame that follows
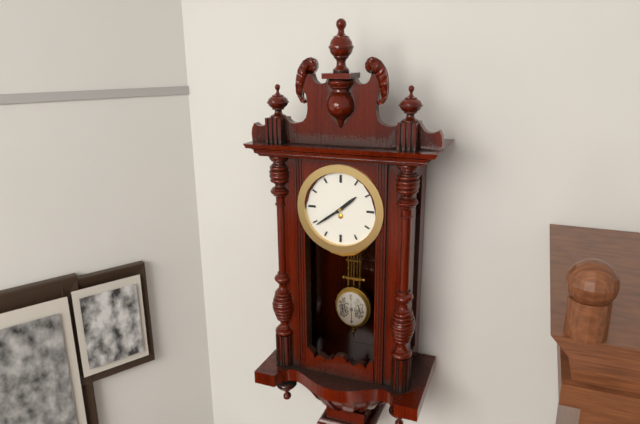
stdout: 1:39
